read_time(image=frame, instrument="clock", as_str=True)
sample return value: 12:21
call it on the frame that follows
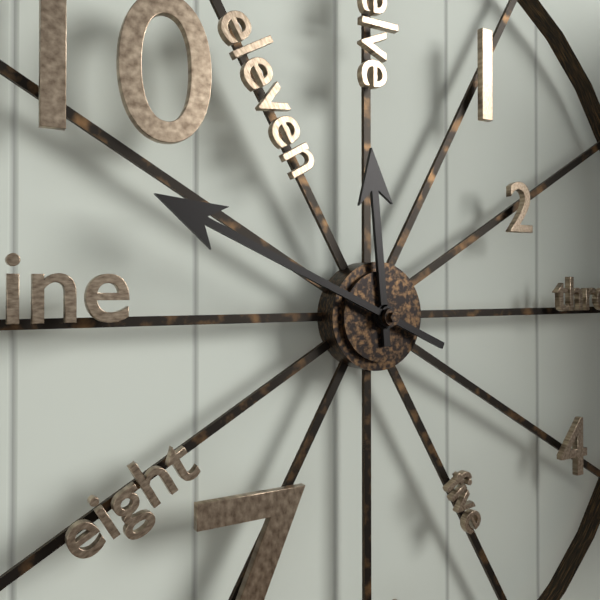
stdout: 11:49
